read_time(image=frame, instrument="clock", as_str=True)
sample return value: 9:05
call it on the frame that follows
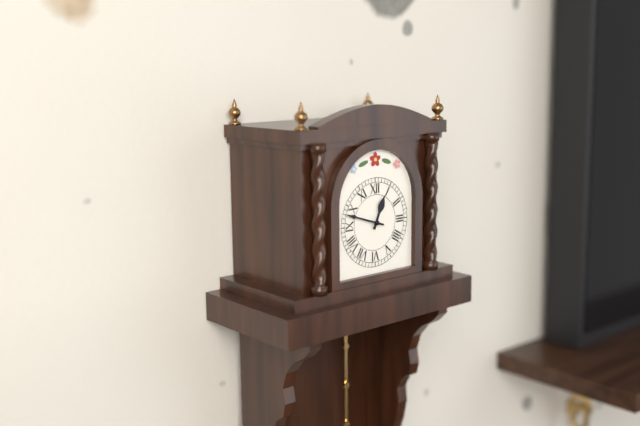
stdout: 12:48
